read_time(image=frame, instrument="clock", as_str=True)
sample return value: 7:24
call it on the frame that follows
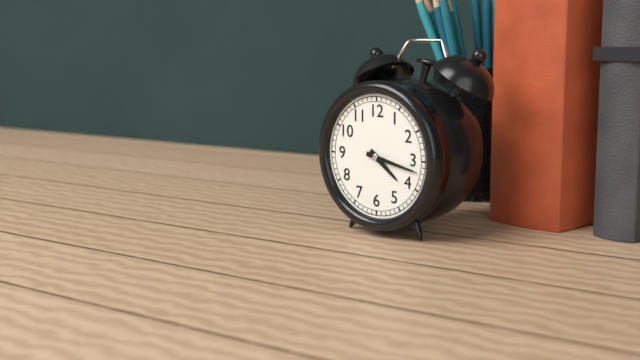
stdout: 4:17
